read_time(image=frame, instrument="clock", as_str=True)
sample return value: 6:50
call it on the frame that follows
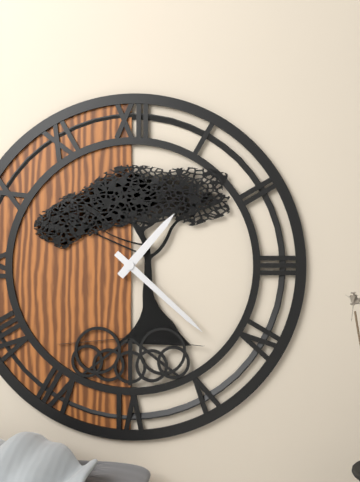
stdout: 1:22
